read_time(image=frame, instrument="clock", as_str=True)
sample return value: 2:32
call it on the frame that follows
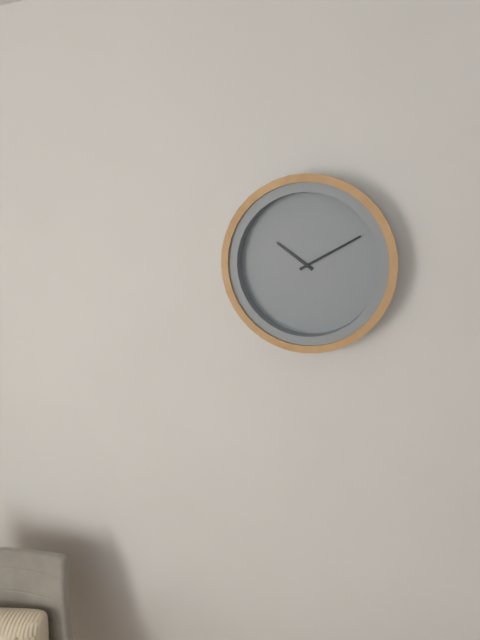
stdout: 10:10
